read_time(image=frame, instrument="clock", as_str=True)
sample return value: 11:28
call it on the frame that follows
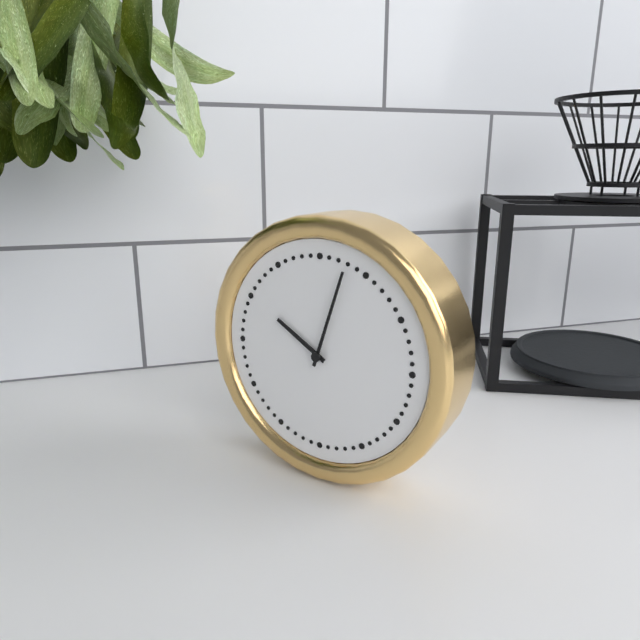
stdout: 10:03
